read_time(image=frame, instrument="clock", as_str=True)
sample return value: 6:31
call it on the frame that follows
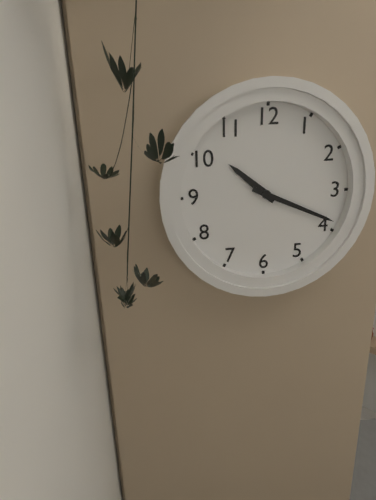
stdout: 10:19
